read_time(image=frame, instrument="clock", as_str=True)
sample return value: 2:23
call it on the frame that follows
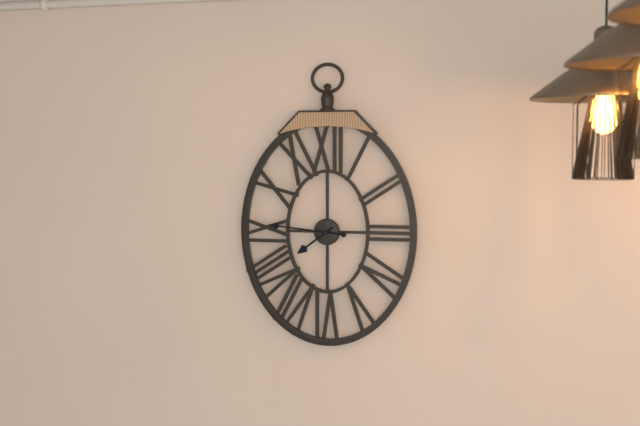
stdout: 7:46
